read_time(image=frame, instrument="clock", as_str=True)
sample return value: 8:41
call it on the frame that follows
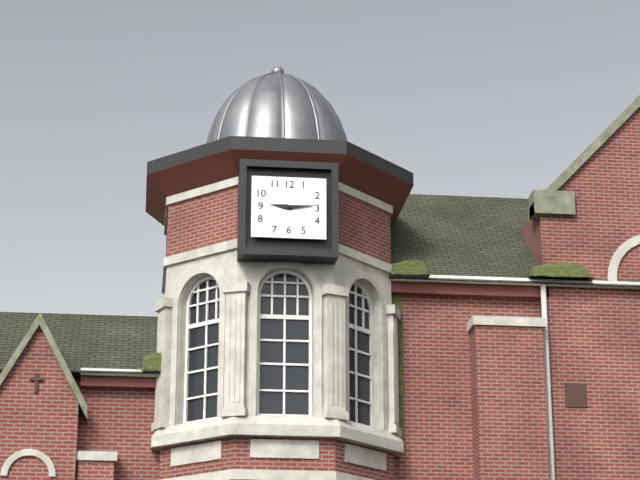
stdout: 9:14
